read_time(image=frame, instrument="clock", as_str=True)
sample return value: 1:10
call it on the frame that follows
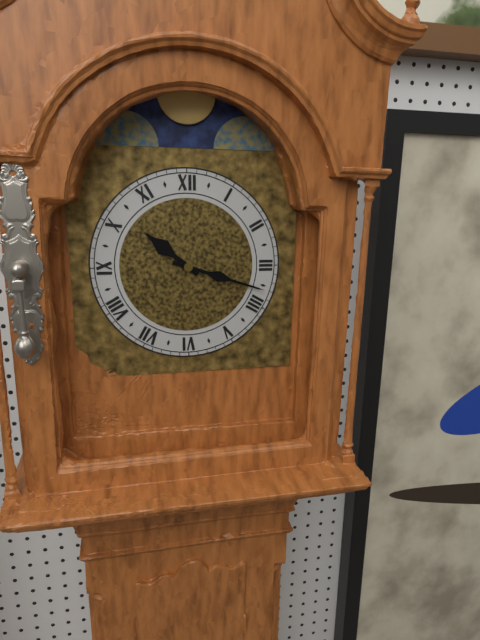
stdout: 10:18
